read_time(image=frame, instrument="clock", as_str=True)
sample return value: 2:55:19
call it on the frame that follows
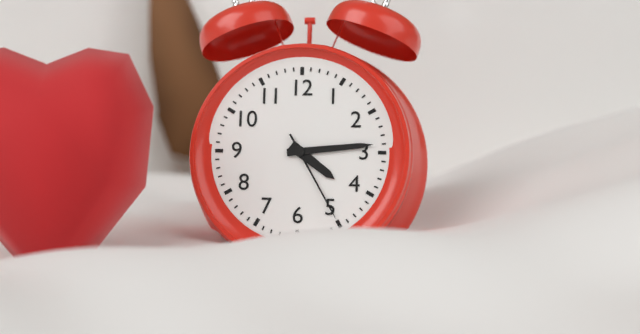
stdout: 4:14:25
